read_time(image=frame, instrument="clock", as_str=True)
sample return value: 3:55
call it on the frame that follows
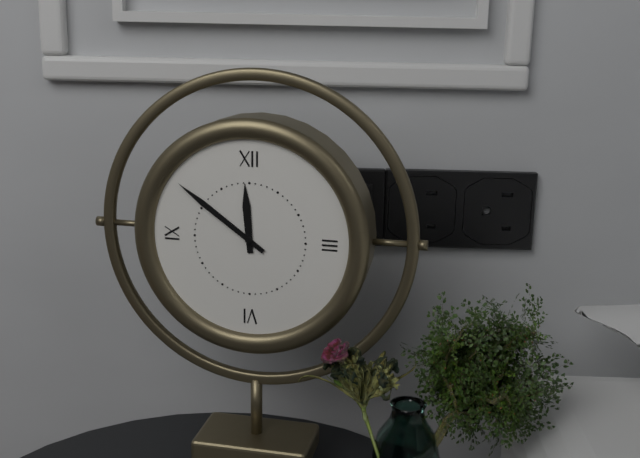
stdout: 11:51
